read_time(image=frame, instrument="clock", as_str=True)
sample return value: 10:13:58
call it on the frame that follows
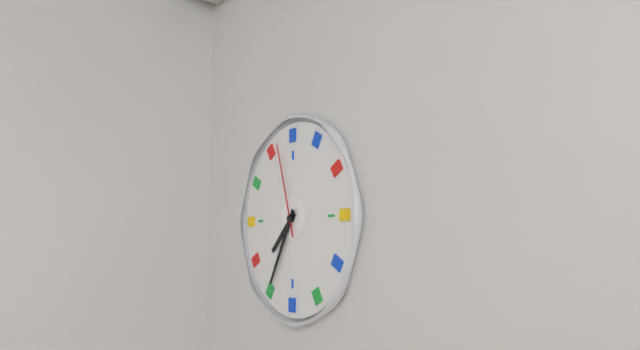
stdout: 7:35:57
